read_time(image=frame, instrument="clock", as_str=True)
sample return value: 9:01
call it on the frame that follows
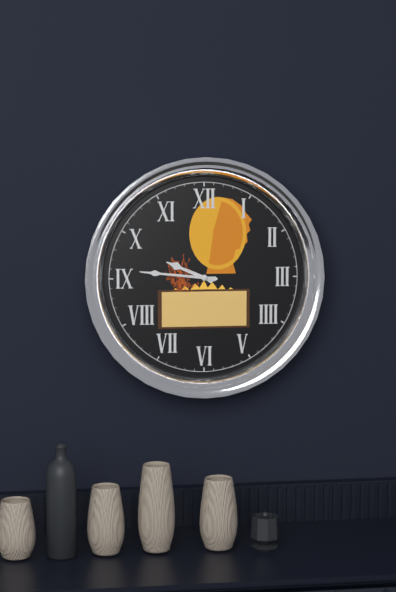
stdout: 9:46
